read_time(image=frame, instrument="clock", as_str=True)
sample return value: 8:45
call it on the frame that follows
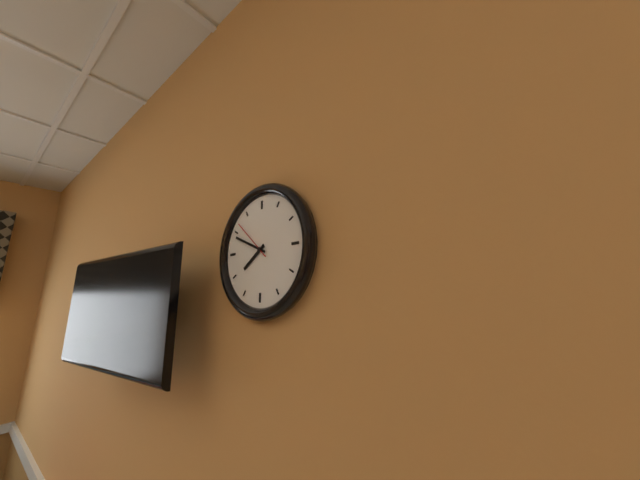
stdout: 7:49
